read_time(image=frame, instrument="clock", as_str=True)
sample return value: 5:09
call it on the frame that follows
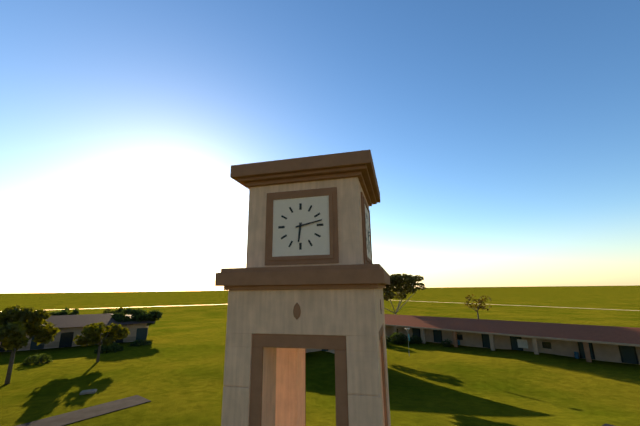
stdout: 6:13
